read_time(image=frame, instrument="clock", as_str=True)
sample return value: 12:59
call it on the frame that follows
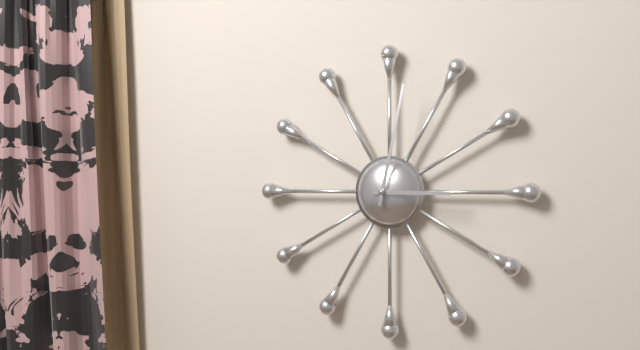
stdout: 3:02
